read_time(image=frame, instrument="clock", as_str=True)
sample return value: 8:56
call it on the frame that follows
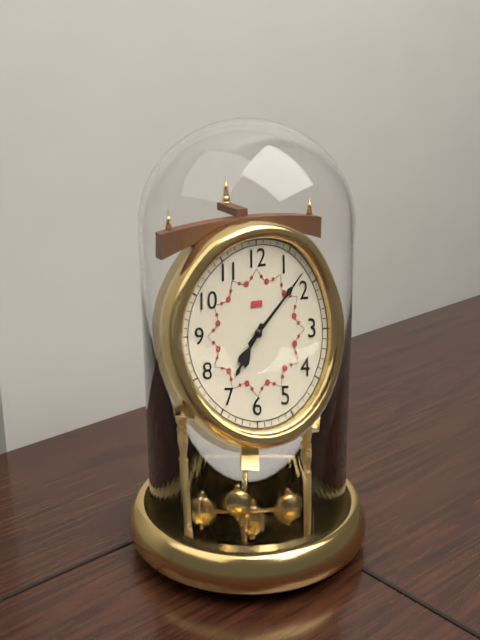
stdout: 7:08
